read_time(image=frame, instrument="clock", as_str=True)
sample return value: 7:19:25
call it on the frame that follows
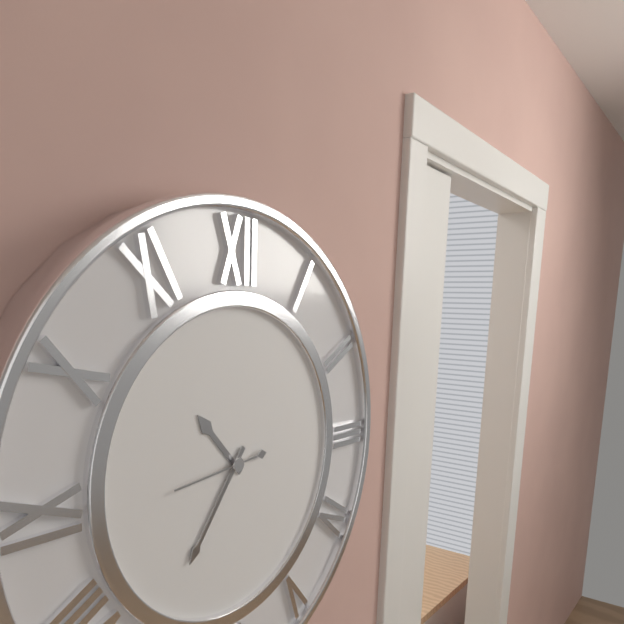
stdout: 10:36:44
